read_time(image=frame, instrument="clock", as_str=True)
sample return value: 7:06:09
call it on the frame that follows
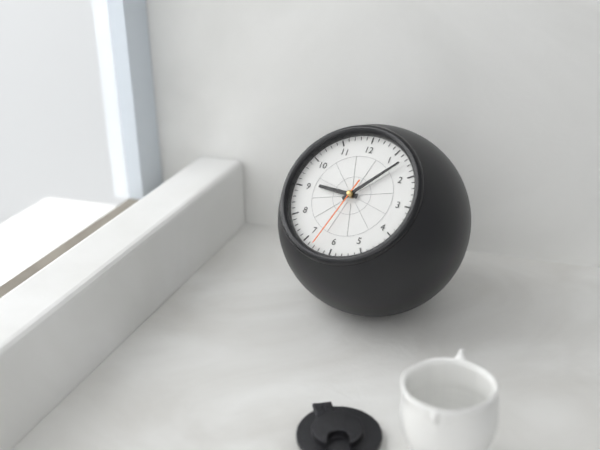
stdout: 9:07:33
